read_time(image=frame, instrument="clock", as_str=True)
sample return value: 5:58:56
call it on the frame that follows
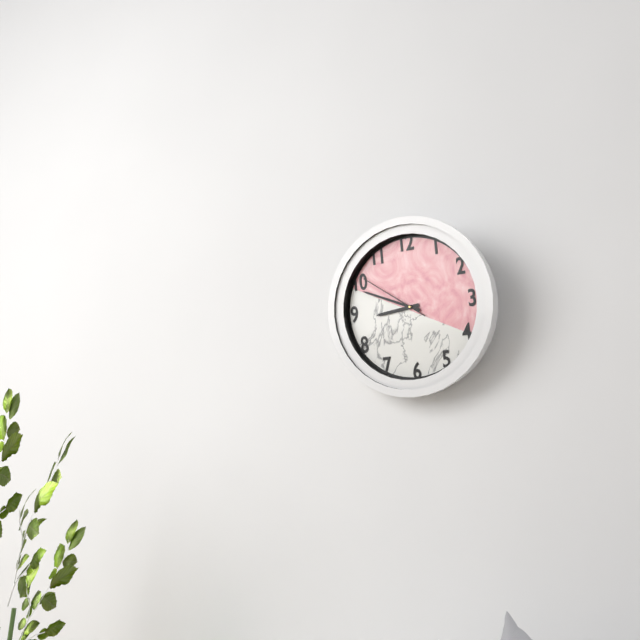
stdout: 8:49:51
